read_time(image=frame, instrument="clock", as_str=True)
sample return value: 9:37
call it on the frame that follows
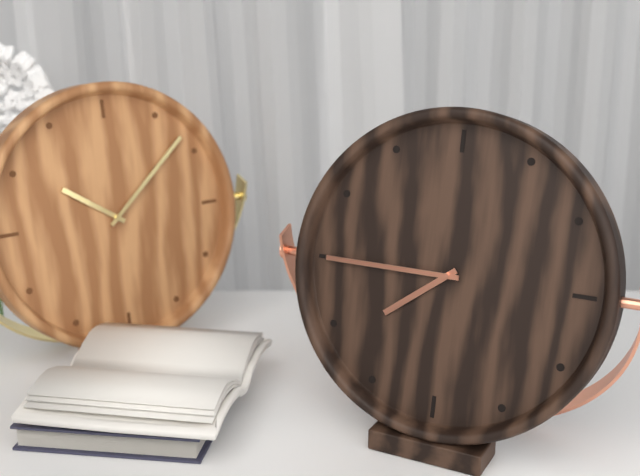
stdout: 7:45
